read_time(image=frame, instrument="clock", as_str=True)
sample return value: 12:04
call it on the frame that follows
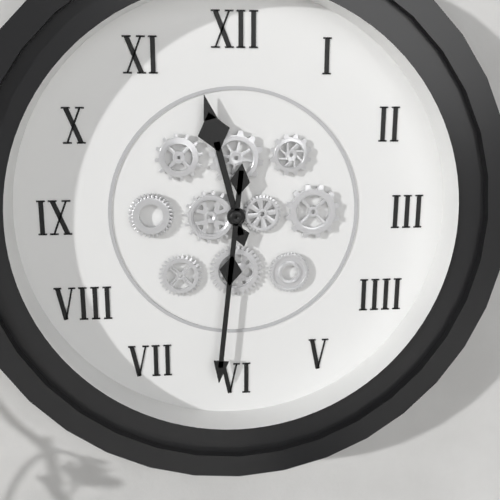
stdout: 11:31
